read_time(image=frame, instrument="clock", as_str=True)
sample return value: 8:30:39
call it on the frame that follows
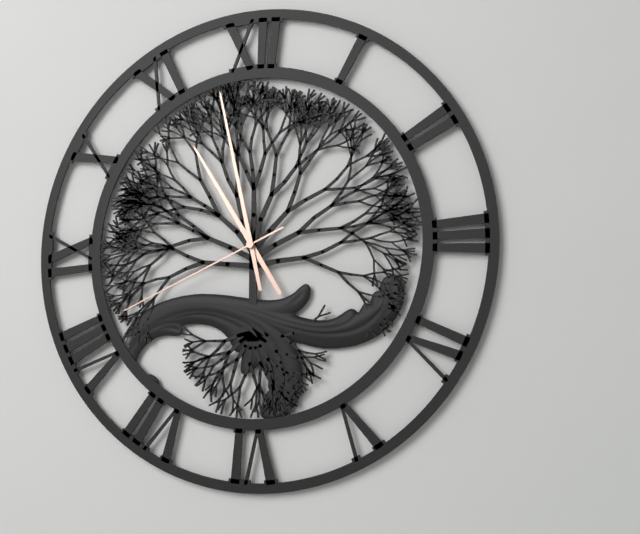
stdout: 10:58:41
